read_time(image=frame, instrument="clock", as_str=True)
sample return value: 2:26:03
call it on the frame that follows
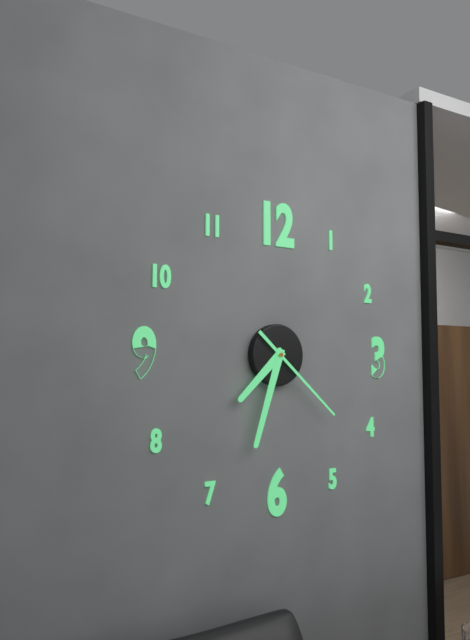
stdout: 7:33:22
